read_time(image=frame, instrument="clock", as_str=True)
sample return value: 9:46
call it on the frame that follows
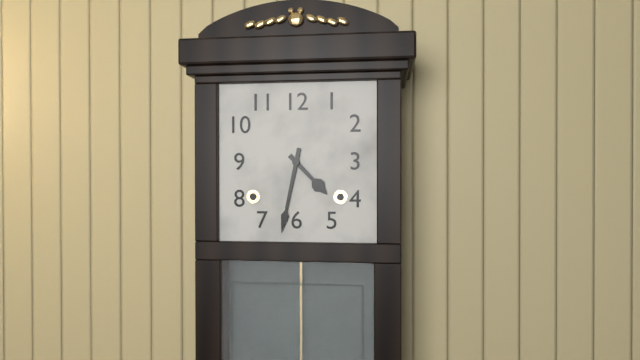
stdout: 4:32
